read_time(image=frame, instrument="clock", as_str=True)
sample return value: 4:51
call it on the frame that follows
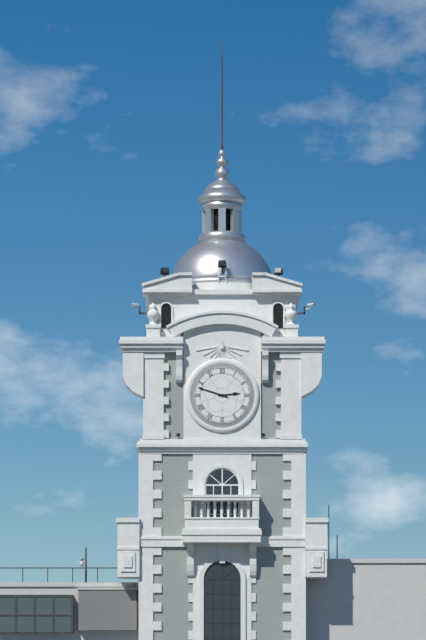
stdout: 2:48
